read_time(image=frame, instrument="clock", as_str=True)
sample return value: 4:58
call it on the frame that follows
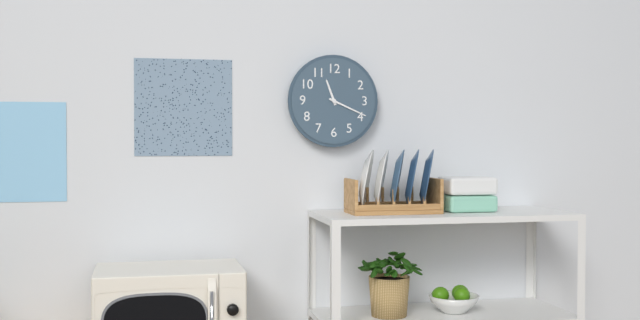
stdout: 11:19
